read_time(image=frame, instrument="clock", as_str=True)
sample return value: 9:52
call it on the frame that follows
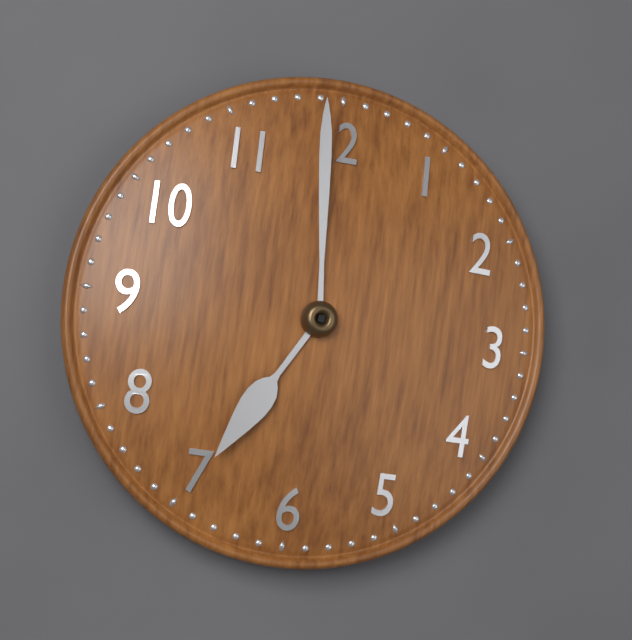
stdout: 6:59
